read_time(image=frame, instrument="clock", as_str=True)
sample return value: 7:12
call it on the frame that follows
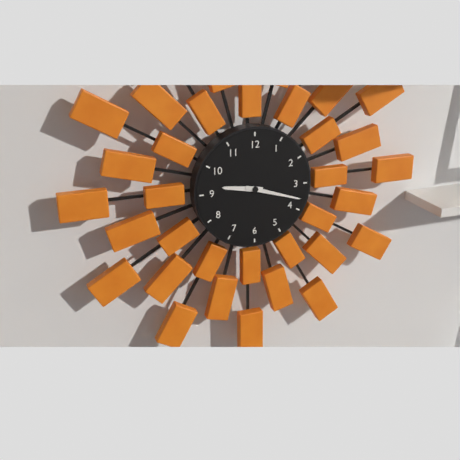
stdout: 9:18
